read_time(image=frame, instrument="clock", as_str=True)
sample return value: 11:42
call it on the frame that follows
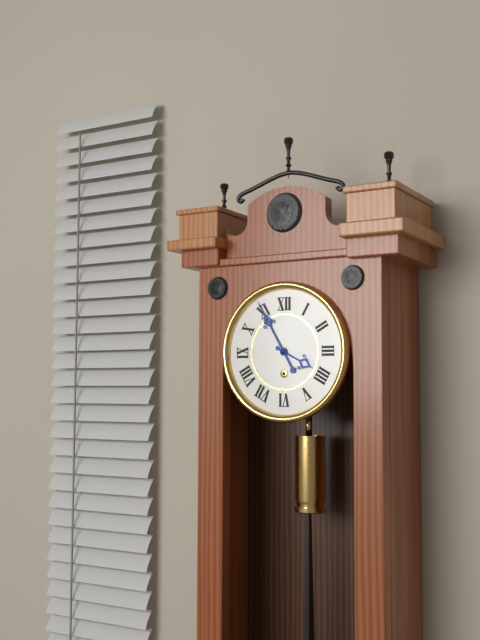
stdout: 3:55
